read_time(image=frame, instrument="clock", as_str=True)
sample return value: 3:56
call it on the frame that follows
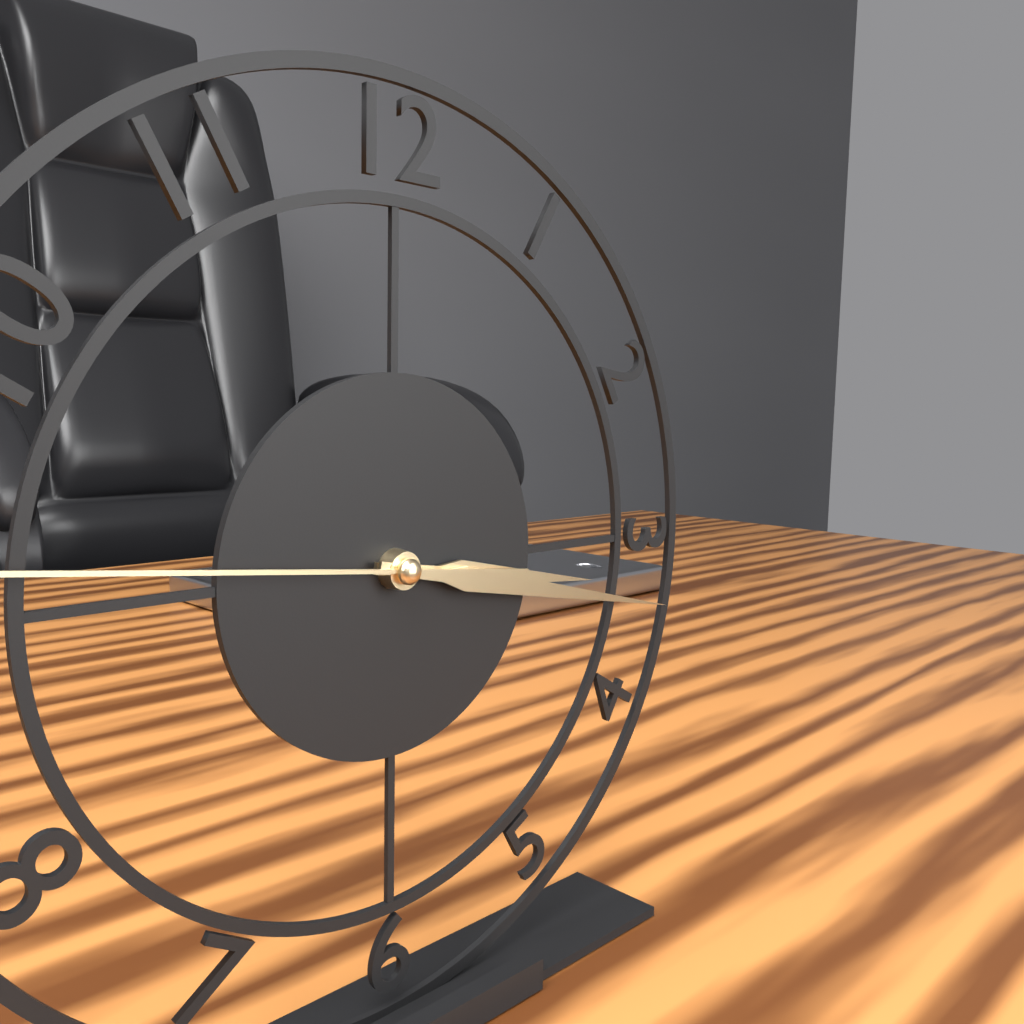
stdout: 3:17
